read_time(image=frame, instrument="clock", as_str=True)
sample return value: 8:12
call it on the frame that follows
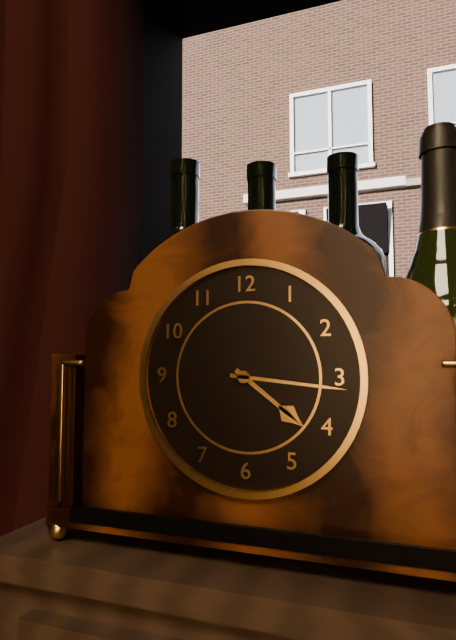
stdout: 4:16
